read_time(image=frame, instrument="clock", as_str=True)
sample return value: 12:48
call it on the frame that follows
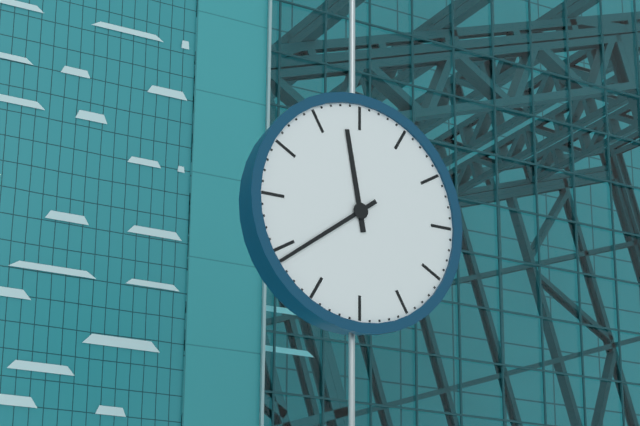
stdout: 11:39
